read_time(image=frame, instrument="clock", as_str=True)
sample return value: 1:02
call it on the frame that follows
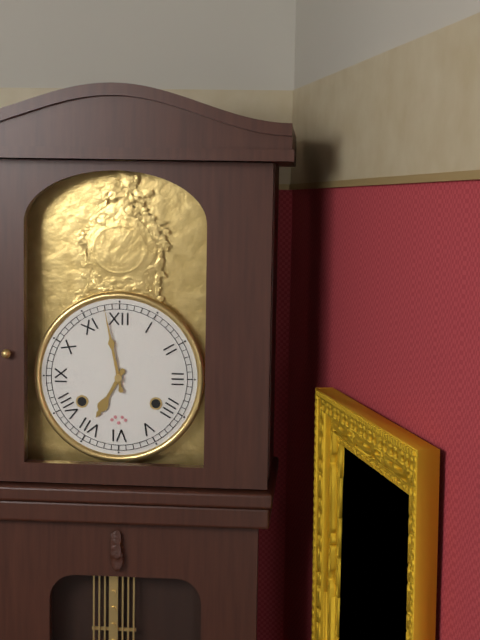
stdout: 6:58
